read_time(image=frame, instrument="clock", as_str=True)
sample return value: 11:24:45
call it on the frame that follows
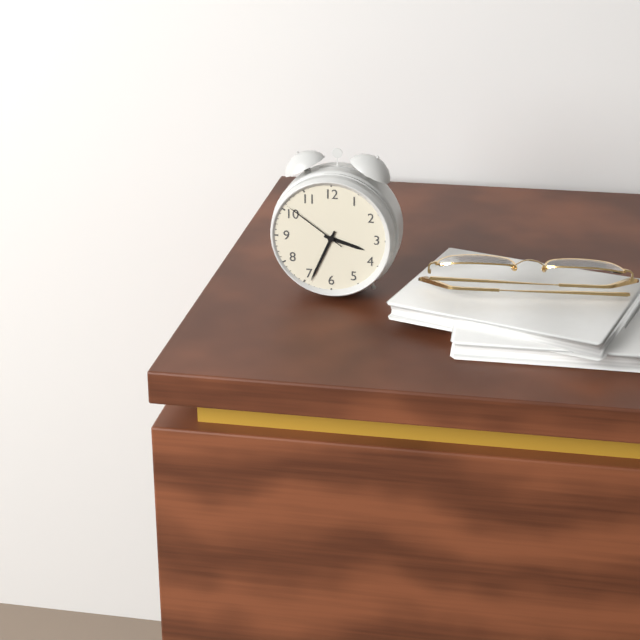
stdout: 3:34:51
